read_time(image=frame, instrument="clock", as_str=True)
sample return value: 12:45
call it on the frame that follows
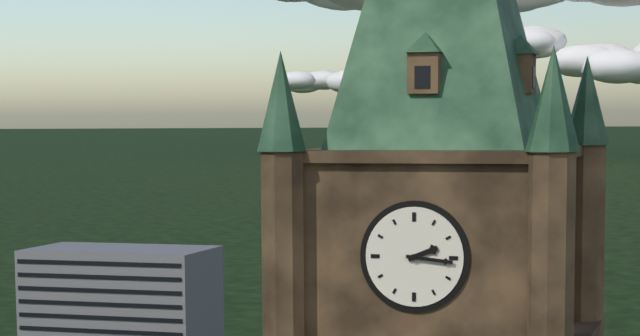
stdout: 2:16
